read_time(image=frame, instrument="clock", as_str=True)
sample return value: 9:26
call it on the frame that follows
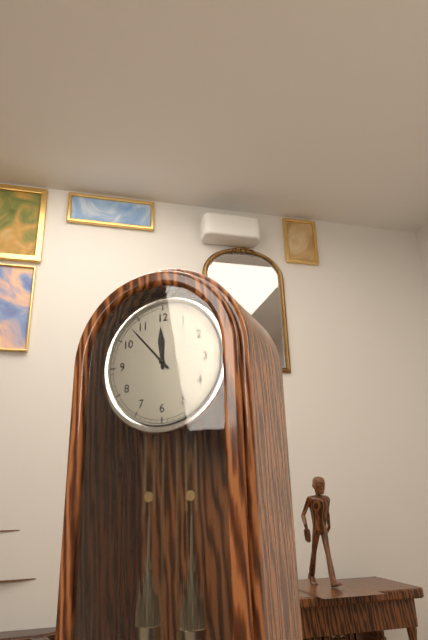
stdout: 11:53
